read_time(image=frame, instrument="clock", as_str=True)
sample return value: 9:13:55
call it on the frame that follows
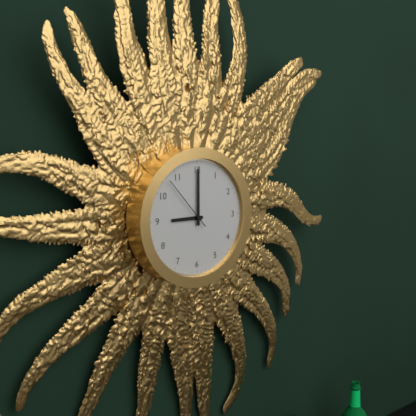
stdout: 9:00:53
